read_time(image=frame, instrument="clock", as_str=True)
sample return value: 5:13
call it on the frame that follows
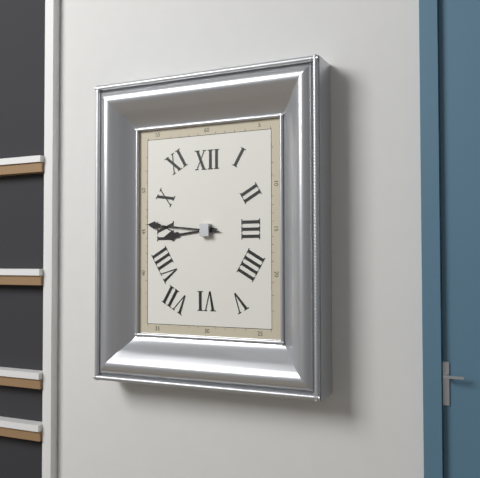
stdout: 8:46
